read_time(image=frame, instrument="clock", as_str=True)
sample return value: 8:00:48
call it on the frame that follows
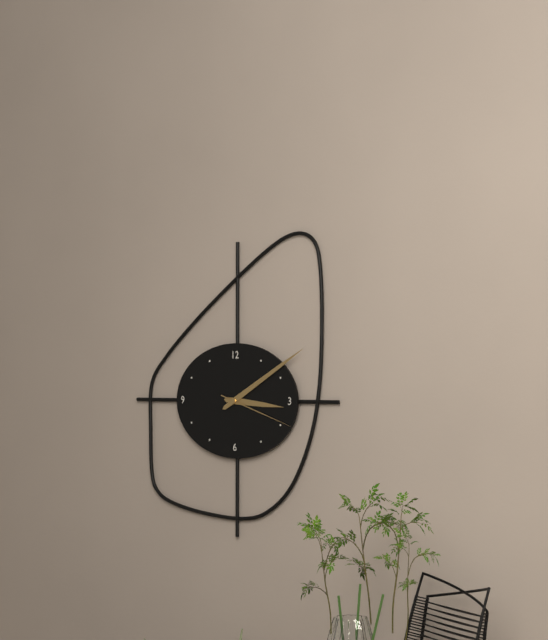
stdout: 3:10:18
